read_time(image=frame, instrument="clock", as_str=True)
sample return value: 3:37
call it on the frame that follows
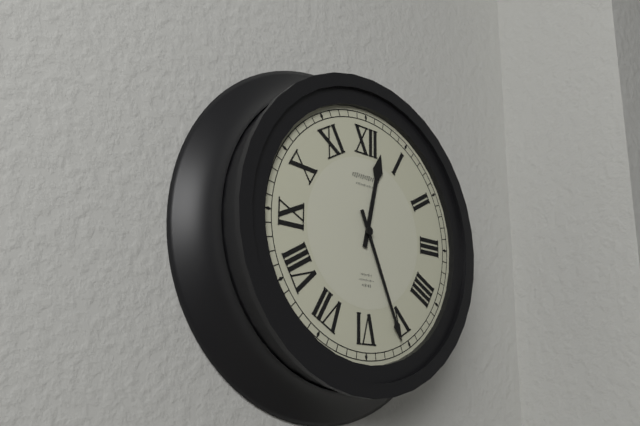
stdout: 12:26
